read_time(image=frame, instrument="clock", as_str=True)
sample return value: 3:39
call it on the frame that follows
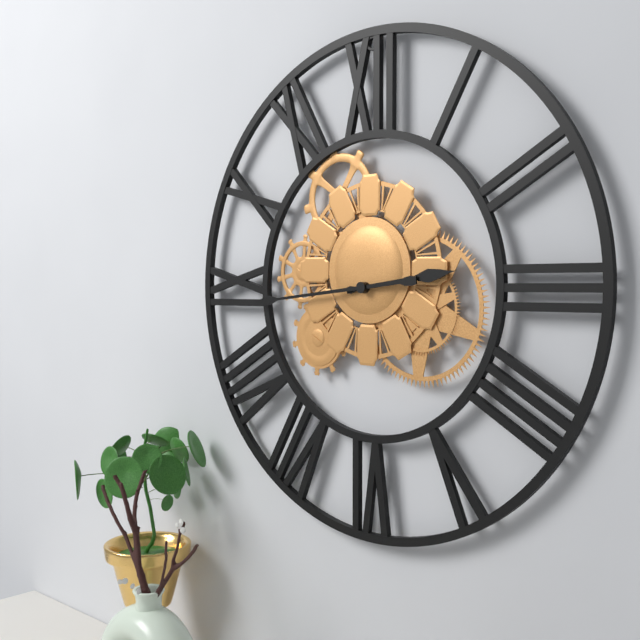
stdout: 2:44
